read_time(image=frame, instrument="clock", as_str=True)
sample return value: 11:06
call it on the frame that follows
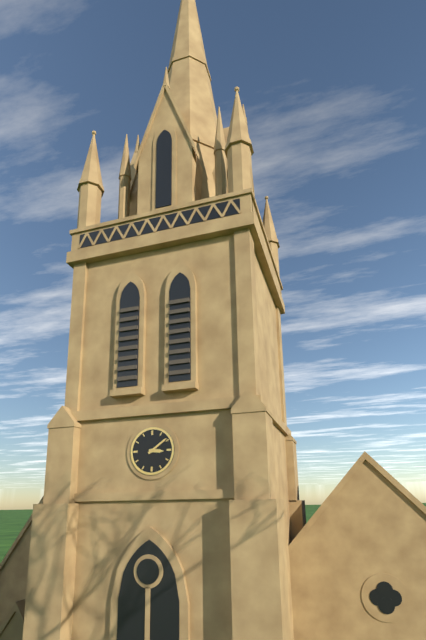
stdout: 3:09
